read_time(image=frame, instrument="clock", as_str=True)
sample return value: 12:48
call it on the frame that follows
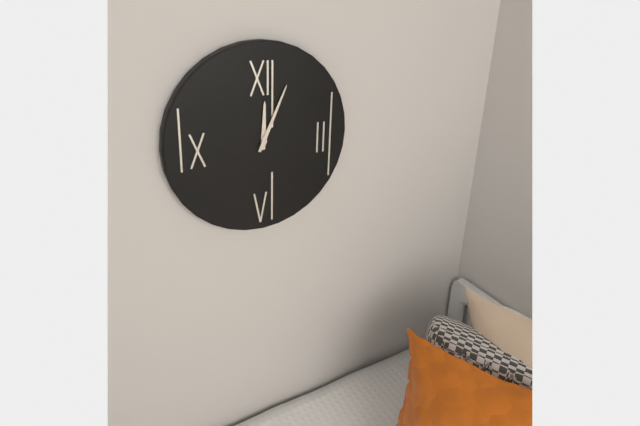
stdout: 12:04
